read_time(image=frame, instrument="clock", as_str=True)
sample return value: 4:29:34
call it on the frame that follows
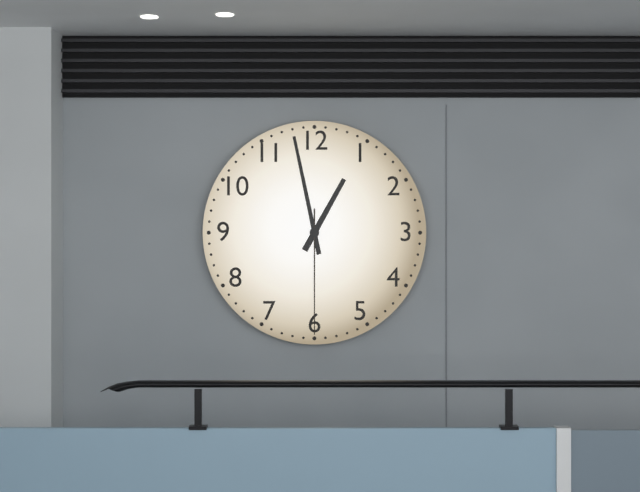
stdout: 12:58:30
